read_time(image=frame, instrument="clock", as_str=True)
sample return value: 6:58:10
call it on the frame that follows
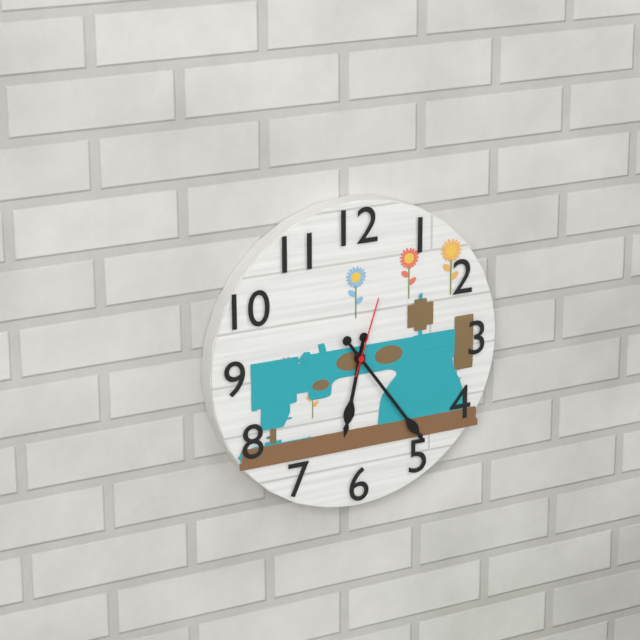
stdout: 6:24:03
